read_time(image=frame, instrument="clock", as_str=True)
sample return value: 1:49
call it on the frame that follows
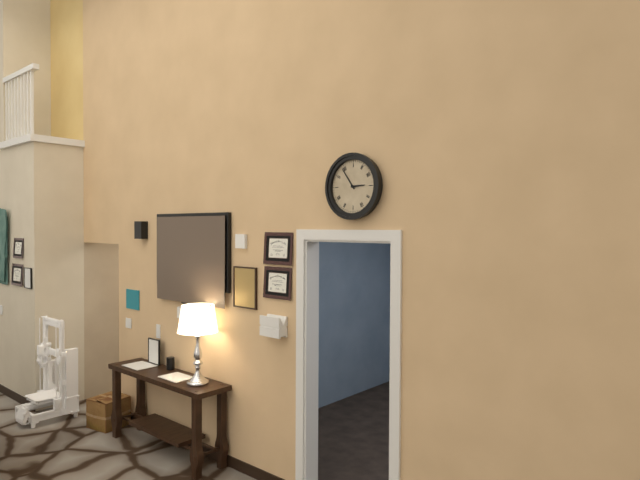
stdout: 2:54
